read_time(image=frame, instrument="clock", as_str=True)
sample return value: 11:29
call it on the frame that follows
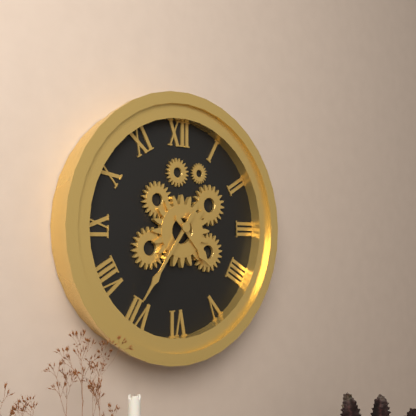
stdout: 4:36
